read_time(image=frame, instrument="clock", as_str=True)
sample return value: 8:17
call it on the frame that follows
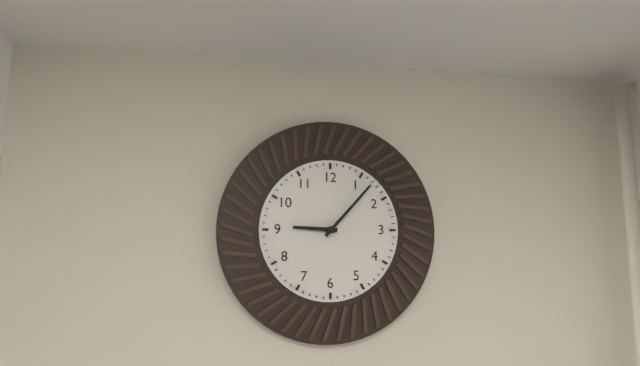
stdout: 9:07
